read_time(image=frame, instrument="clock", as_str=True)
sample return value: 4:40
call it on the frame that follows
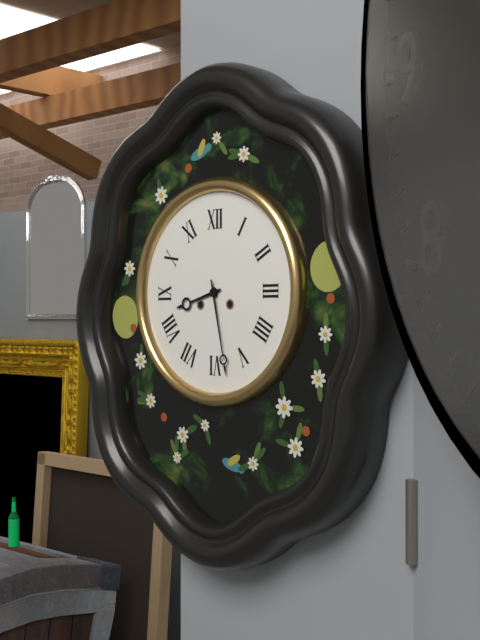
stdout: 8:28
